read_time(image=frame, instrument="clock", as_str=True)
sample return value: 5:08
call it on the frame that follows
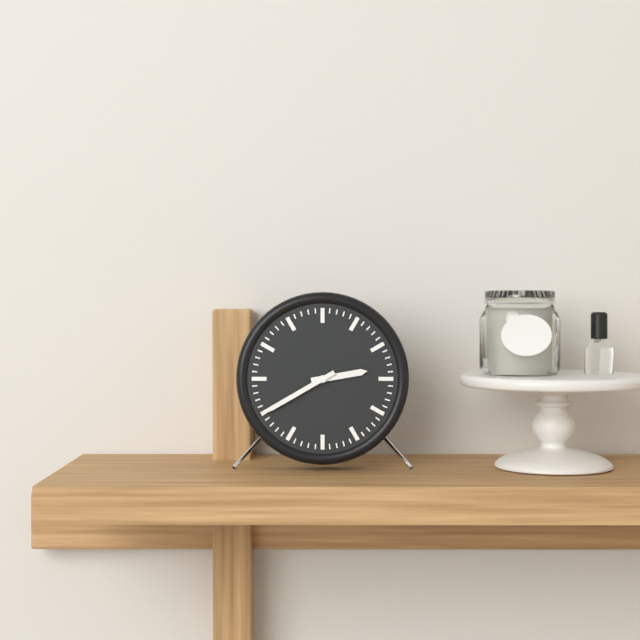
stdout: 2:40
